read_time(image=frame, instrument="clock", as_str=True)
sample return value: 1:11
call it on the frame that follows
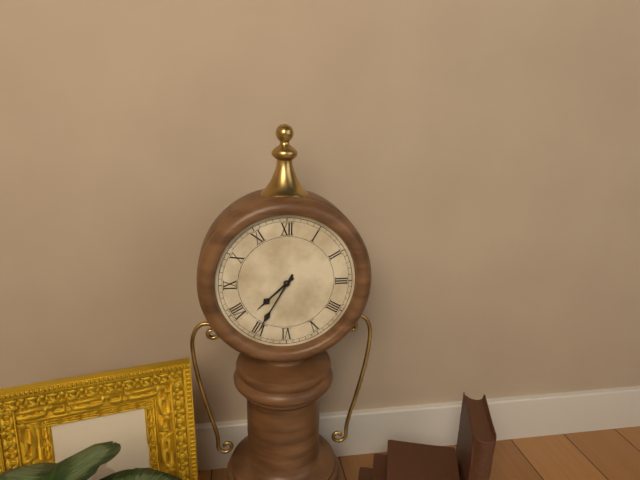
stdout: 7:35
